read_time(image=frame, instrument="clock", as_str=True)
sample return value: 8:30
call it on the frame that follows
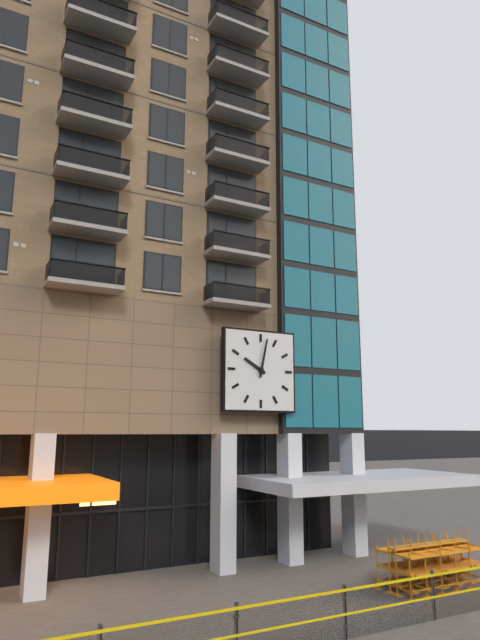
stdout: 10:02
